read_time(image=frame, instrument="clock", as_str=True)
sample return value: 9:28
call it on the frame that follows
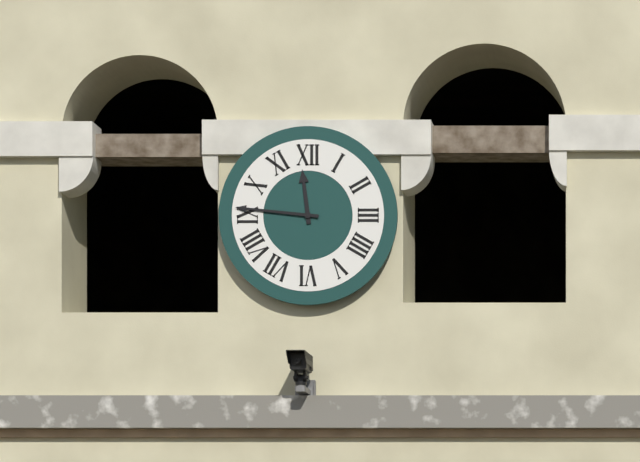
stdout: 11:46
